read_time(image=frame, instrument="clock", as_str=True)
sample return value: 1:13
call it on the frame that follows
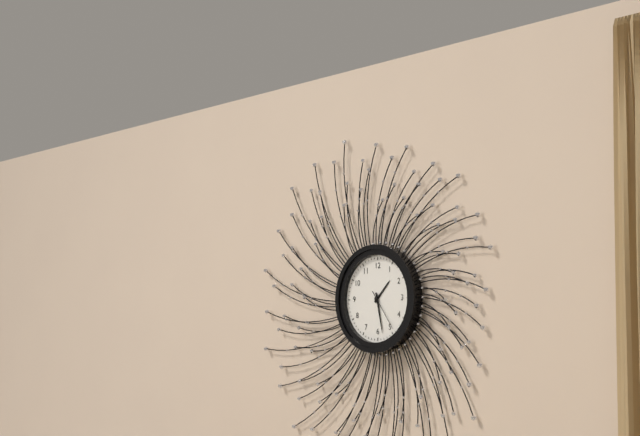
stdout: 1:28
